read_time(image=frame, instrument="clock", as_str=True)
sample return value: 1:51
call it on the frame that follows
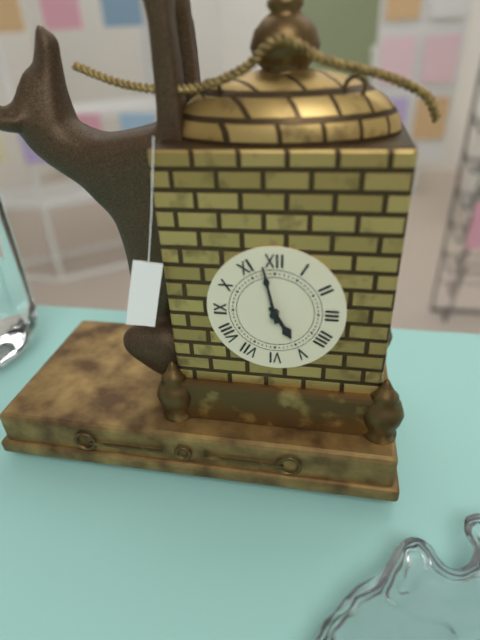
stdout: 4:58
